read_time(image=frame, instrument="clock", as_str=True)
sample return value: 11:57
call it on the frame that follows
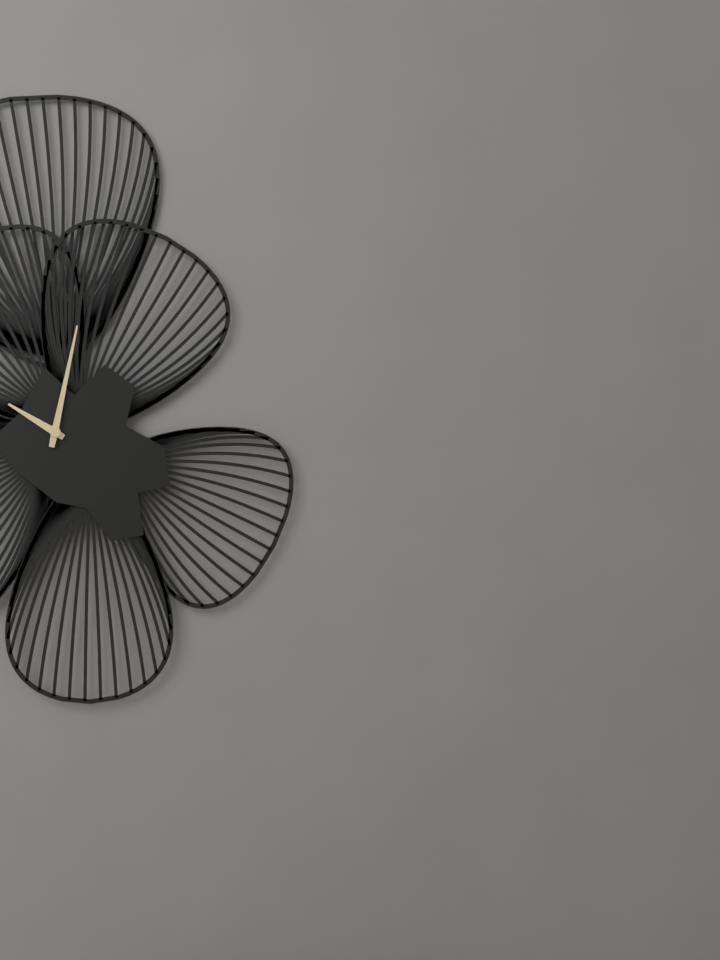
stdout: 10:02
